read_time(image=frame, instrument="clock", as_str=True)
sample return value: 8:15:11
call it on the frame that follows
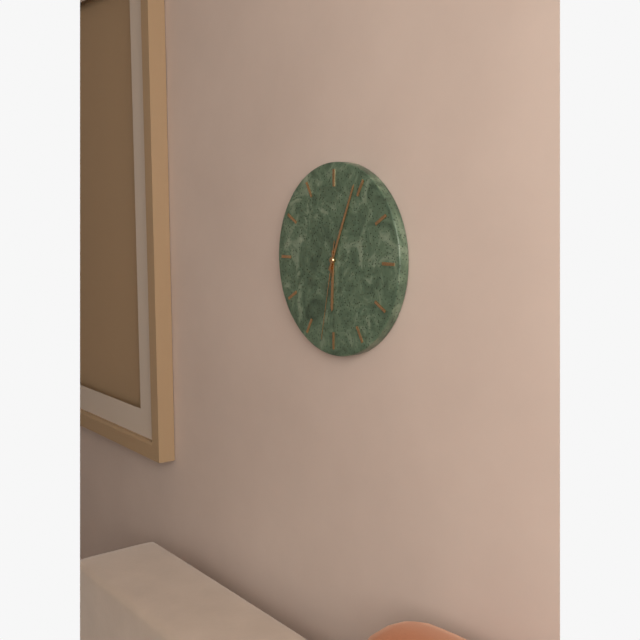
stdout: 6:04:32
